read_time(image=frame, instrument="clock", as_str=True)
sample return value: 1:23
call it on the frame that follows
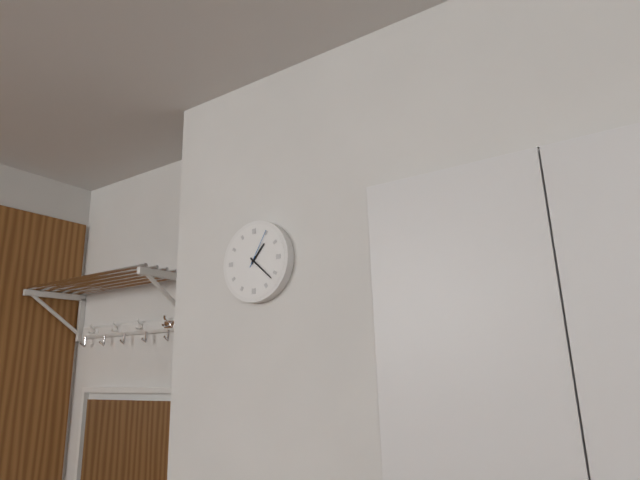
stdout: 1:22
